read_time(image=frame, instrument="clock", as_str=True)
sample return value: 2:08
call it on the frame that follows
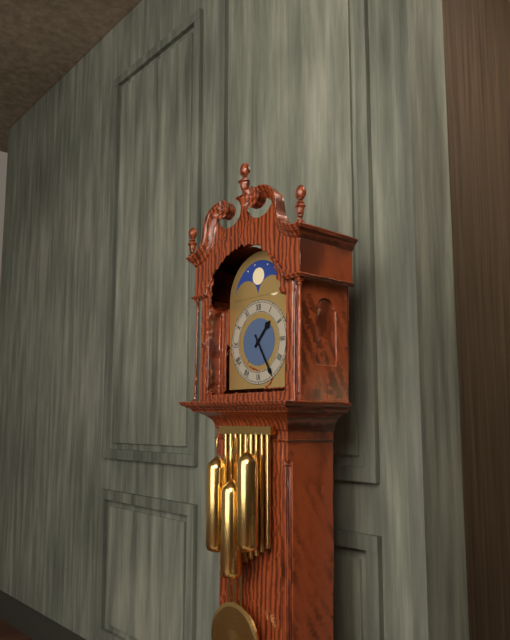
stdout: 1:25
